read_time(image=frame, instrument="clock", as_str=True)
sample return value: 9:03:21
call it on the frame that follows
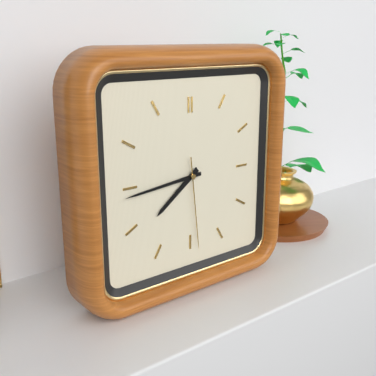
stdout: 7:44:29
